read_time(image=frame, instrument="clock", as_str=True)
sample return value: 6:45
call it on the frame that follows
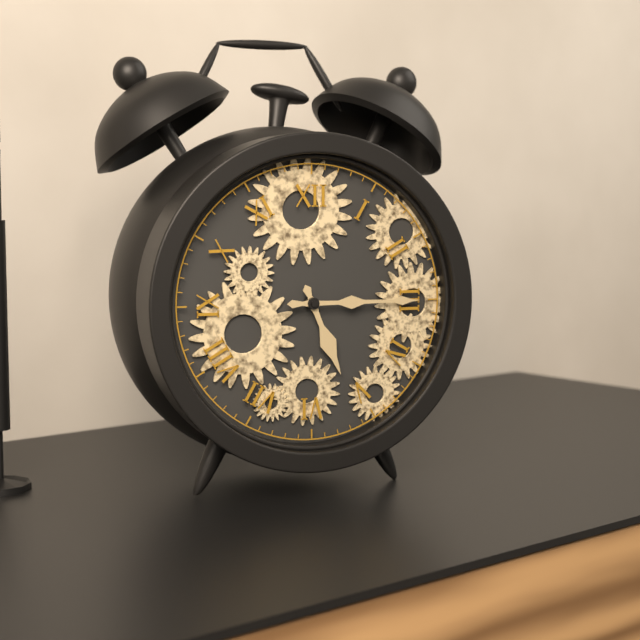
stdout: 5:15
